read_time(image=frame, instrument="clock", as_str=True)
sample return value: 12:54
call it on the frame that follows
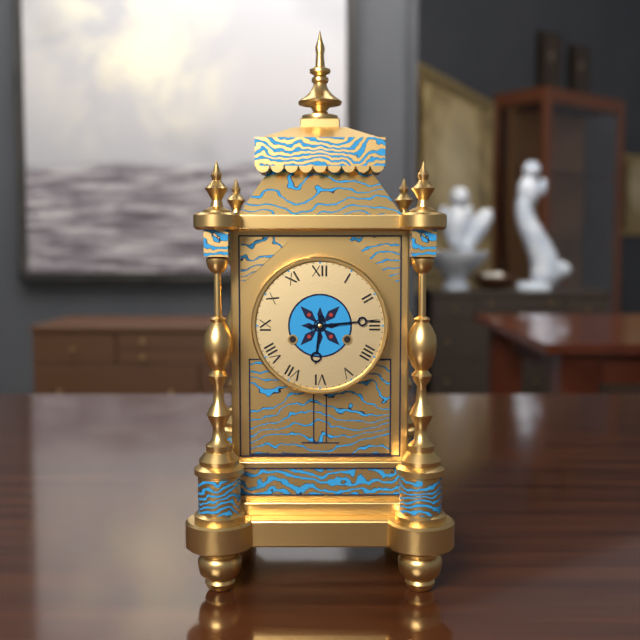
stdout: 6:14
